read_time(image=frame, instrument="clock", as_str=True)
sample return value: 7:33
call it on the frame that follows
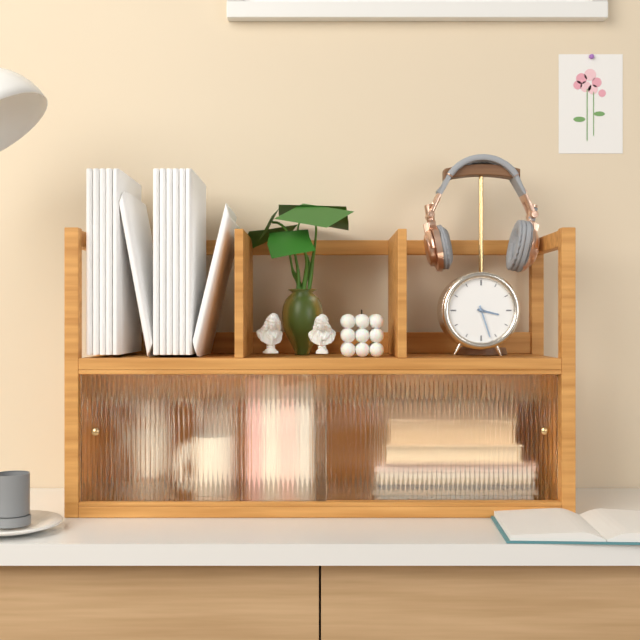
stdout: 3:27
